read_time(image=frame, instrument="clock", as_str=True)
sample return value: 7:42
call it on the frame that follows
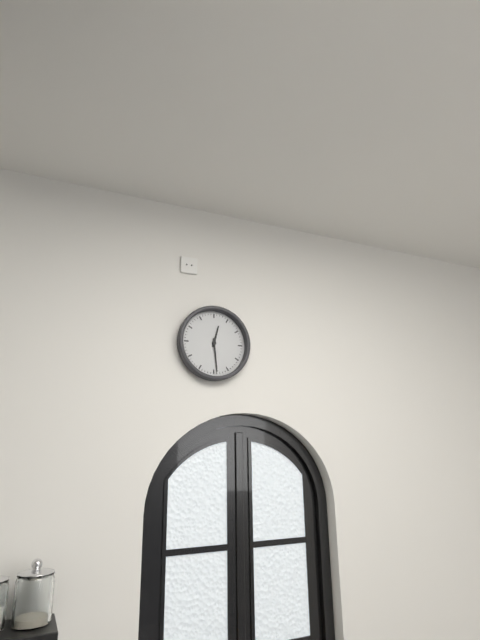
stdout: 12:29
